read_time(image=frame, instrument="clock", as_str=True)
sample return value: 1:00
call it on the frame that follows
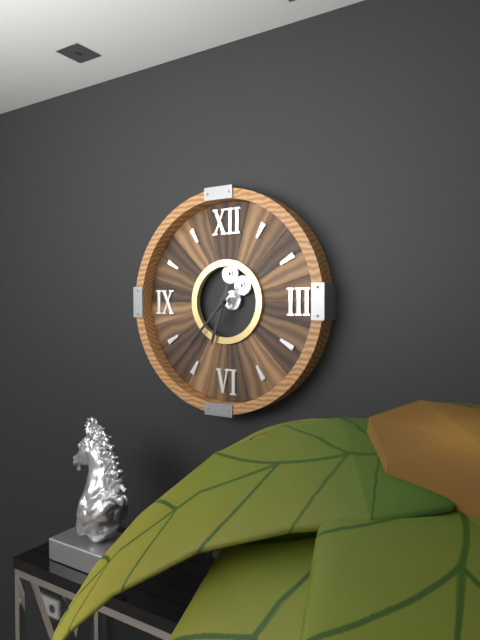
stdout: 6:37
